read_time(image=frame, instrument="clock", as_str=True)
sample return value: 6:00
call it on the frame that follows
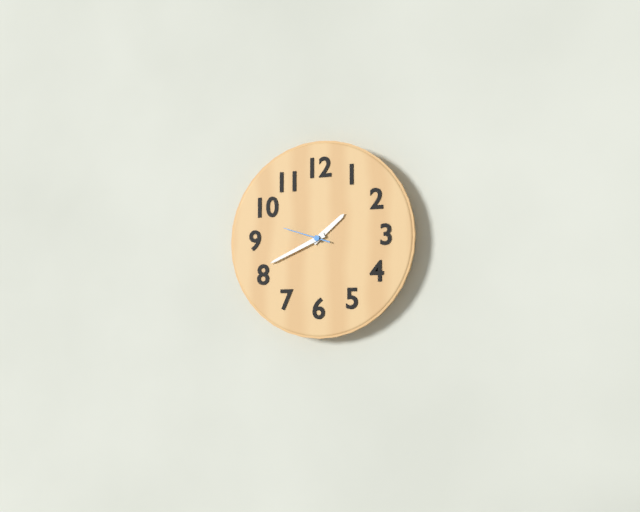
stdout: 1:41
